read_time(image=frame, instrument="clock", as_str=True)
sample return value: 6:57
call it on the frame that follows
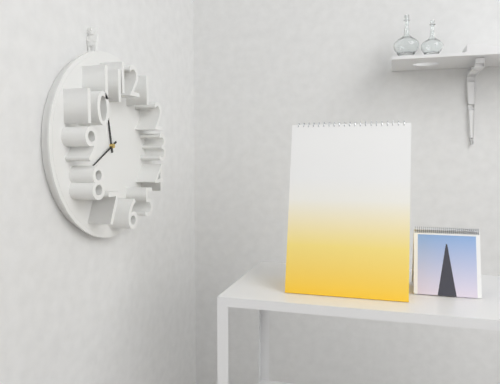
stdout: 11:40
